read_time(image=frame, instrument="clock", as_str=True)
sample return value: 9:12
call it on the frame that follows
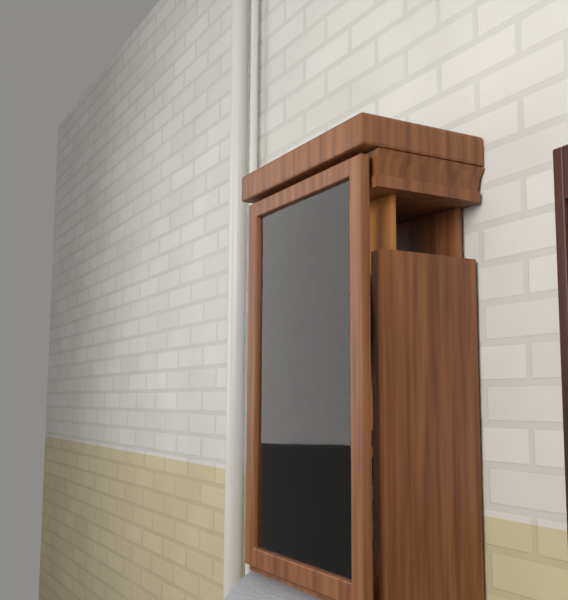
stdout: 9:52
